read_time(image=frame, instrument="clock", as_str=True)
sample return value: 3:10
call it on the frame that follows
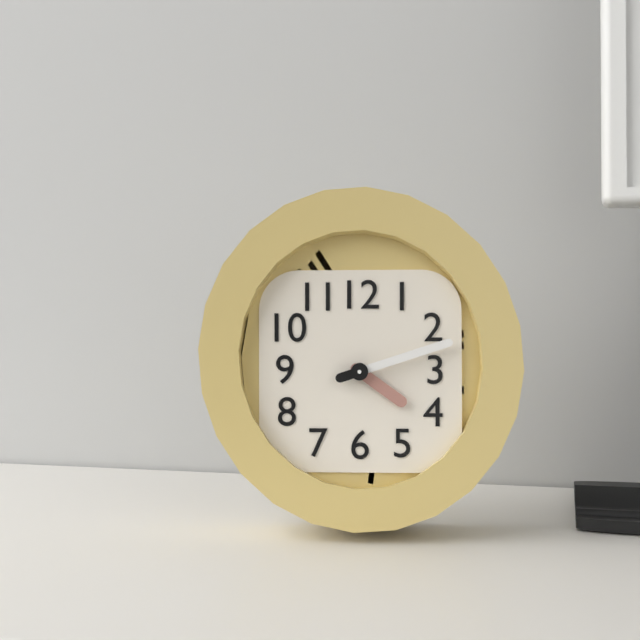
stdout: 4:12
